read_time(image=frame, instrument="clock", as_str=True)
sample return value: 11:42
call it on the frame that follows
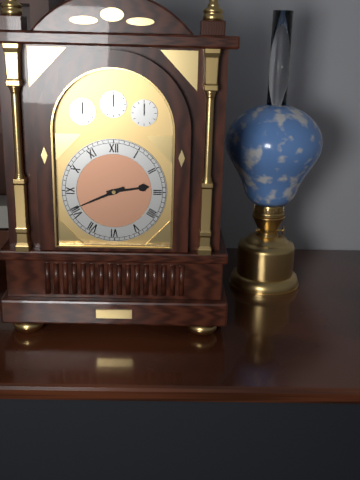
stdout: 2:41
